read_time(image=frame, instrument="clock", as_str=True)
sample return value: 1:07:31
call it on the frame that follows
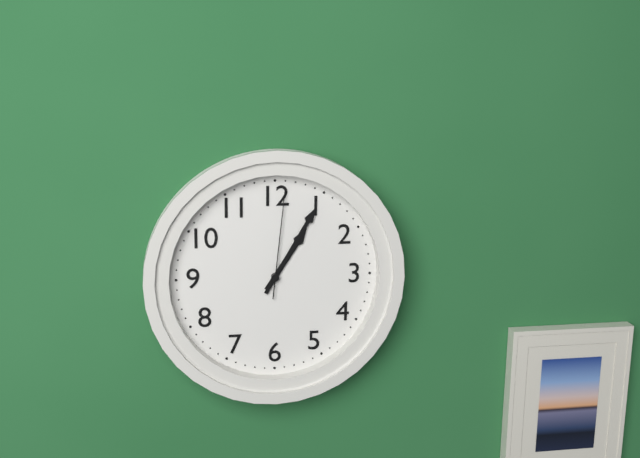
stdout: 1:05:01
